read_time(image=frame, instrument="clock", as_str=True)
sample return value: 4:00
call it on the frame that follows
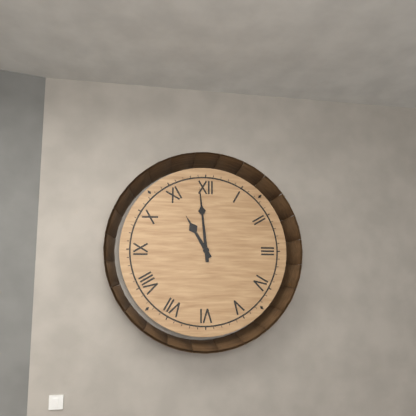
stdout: 10:59
